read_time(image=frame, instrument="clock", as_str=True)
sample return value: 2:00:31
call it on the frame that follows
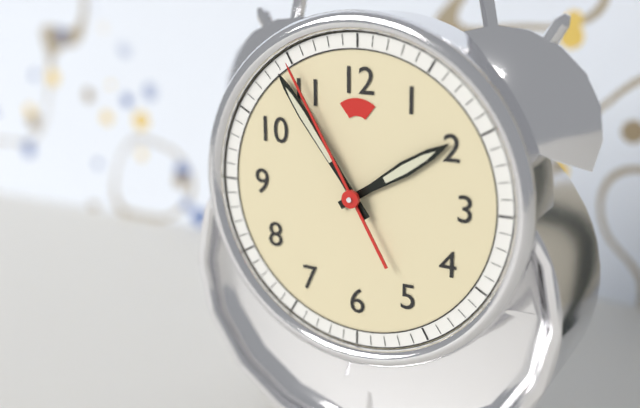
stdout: 1:54:55
